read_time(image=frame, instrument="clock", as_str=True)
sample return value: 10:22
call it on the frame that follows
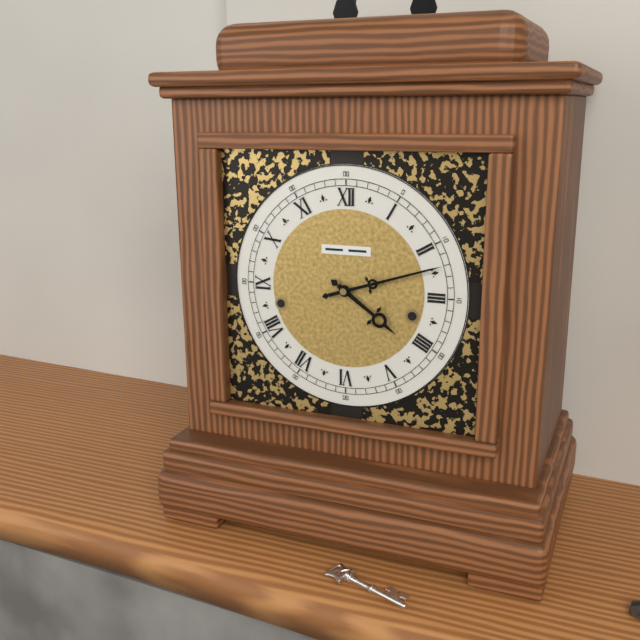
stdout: 4:12
